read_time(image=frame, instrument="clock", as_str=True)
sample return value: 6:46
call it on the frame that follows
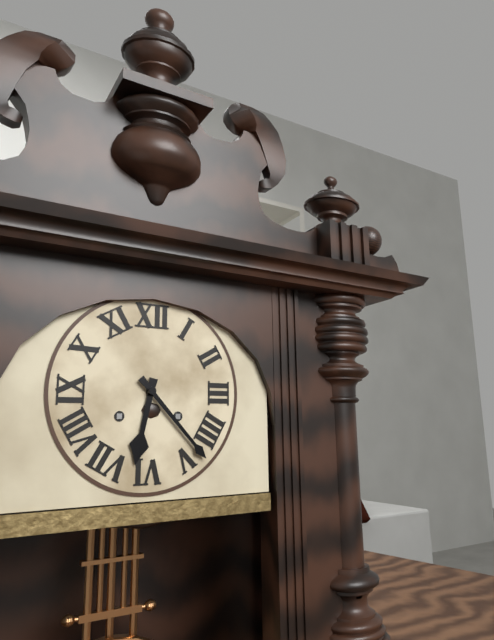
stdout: 6:23
